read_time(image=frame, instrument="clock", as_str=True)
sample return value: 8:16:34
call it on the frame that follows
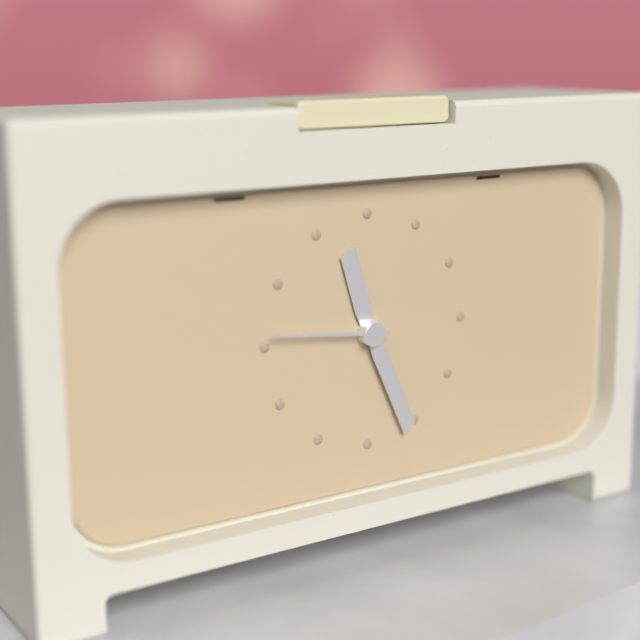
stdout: 11:26:46
